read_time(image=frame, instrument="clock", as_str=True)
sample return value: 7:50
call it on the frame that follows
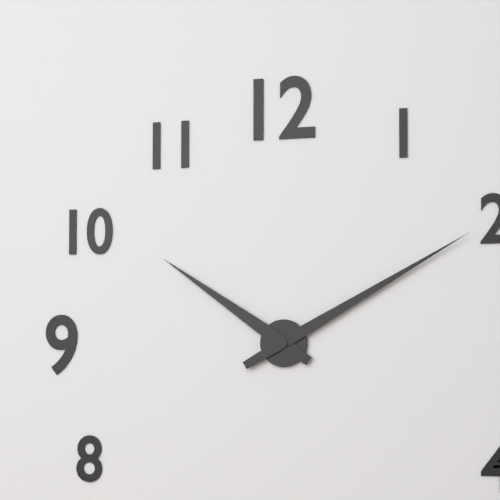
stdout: 10:10
